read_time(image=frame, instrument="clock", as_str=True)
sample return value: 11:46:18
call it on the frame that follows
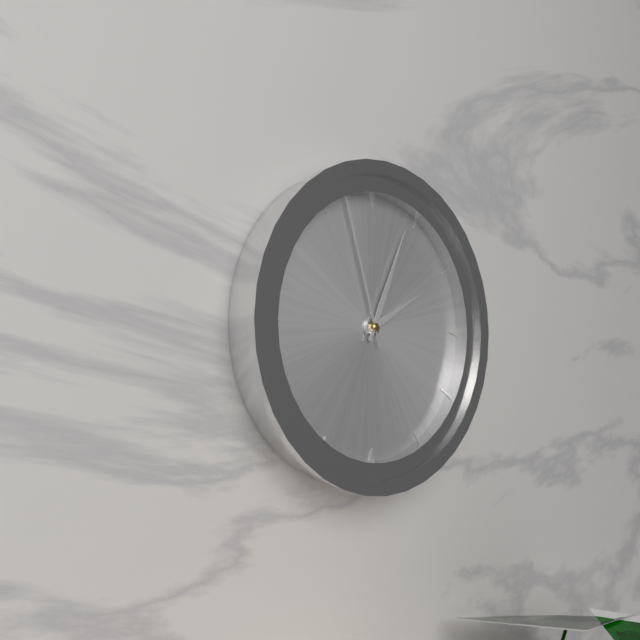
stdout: 2:04:57
